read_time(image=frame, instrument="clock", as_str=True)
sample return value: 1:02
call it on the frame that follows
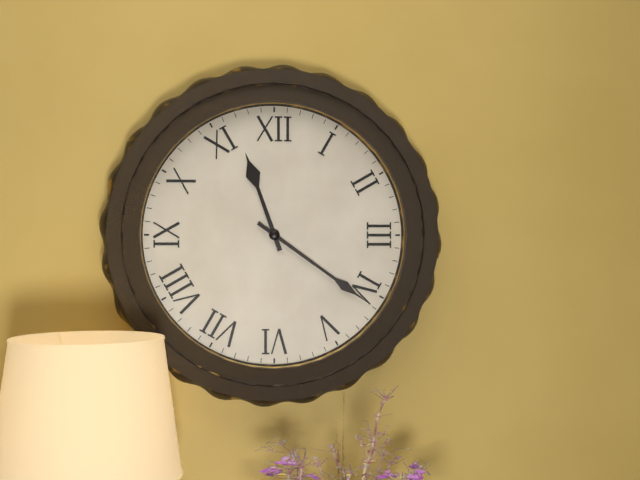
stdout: 11:21
